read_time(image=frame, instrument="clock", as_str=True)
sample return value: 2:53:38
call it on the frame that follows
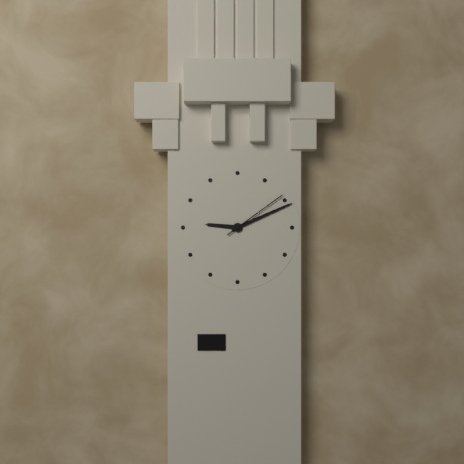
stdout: 9:11:09
